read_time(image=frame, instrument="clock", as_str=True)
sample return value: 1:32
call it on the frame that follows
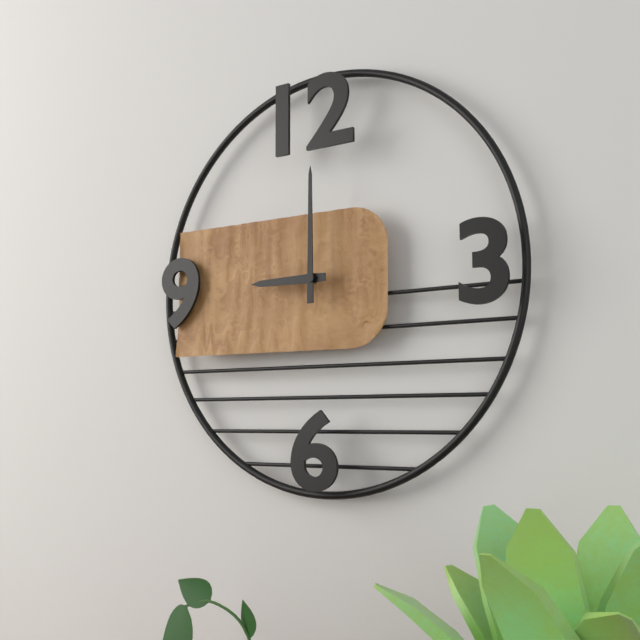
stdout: 9:00
